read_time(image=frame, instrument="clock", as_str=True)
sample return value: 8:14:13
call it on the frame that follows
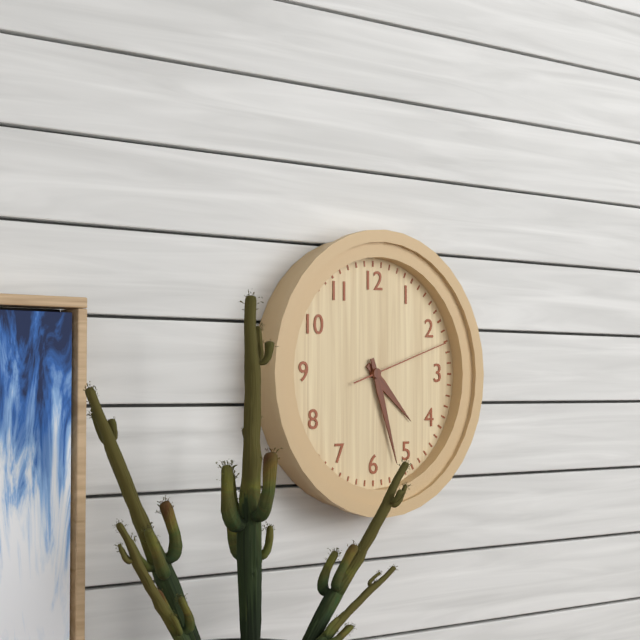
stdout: 4:27:12
